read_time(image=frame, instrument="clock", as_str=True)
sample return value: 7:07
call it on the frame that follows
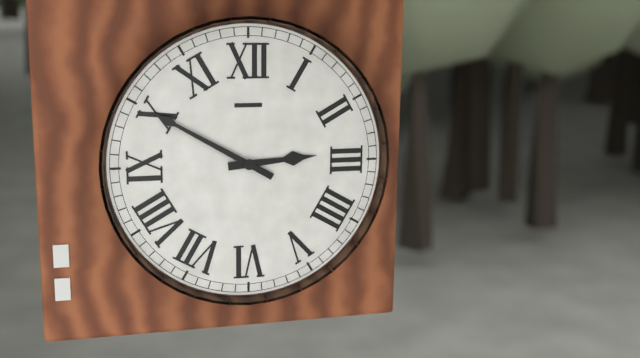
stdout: 2:50
